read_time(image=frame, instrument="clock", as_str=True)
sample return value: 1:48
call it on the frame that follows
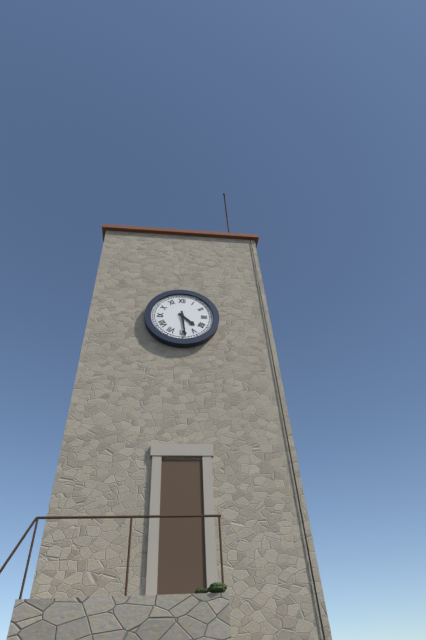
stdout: 4:29
